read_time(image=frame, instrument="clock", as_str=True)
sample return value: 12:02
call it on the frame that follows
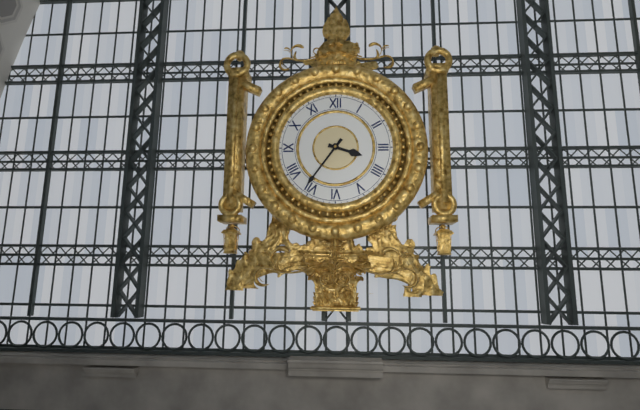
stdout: 3:36
